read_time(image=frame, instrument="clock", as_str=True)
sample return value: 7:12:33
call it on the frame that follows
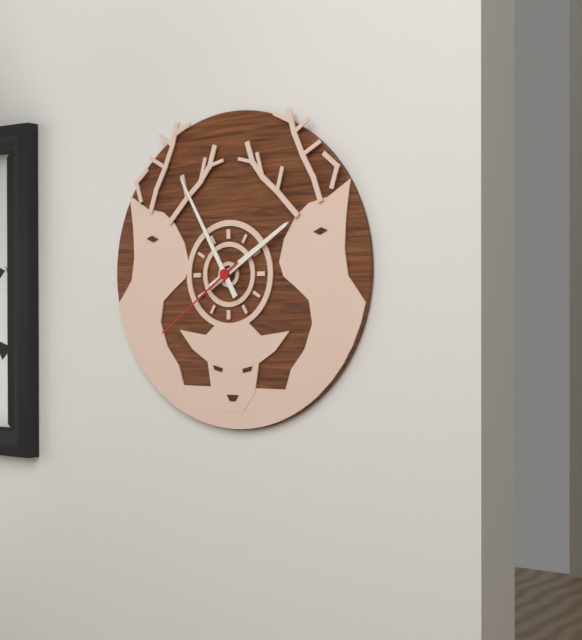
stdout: 1:55:39
